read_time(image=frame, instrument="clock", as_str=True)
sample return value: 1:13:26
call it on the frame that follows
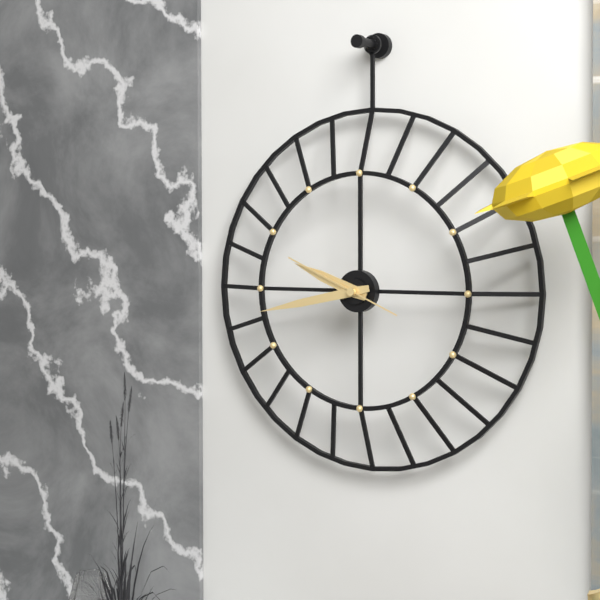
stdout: 9:43:49
